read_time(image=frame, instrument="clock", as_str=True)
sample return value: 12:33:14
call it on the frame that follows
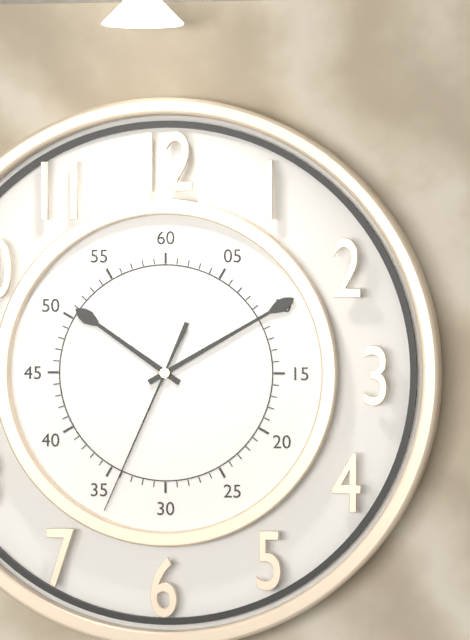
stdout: 10:10:34
